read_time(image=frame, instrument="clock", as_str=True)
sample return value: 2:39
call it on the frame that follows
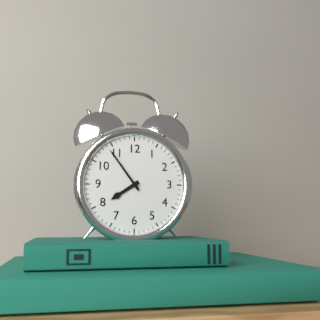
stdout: 7:54
